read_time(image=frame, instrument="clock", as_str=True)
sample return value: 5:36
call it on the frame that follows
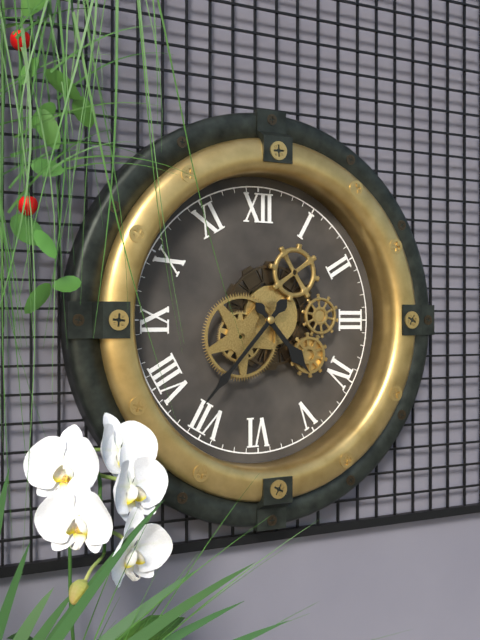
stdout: 4:37
